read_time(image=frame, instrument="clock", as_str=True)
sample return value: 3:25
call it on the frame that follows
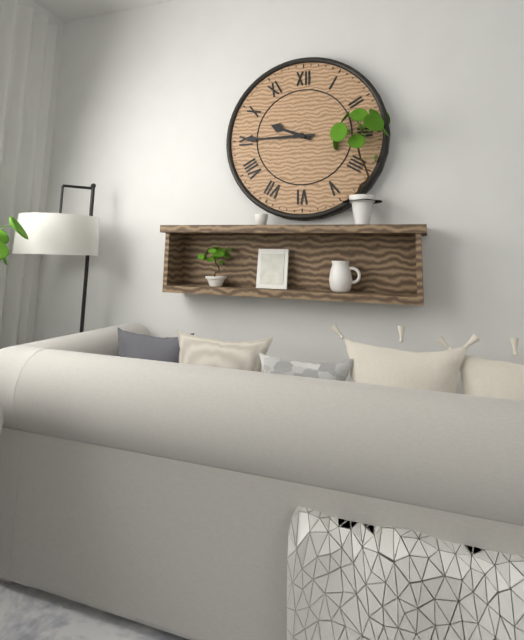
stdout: 9:45
